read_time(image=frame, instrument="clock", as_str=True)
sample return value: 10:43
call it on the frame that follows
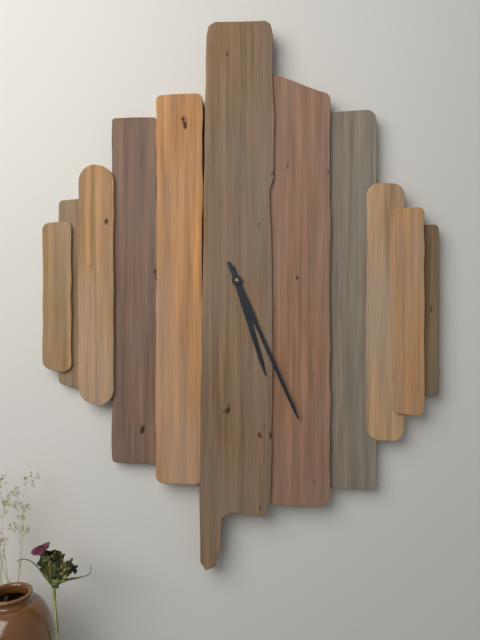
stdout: 5:26
